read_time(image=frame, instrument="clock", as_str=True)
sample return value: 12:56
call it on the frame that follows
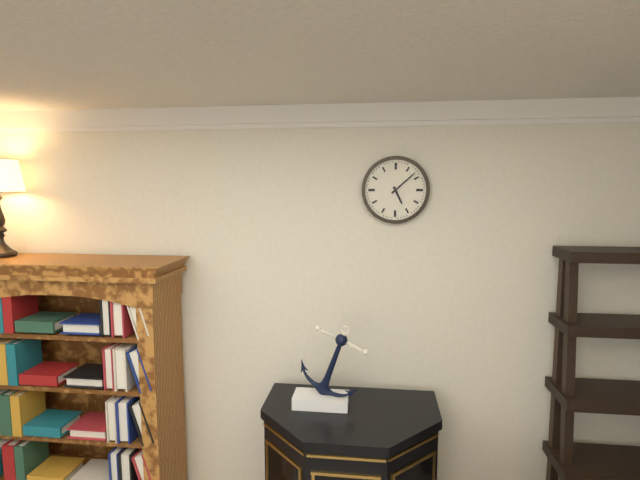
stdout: 5:08
